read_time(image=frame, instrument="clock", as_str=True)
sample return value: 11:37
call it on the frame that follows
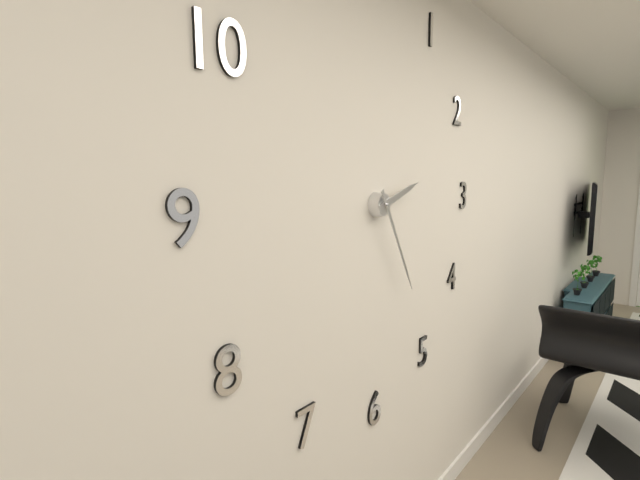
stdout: 2:25
